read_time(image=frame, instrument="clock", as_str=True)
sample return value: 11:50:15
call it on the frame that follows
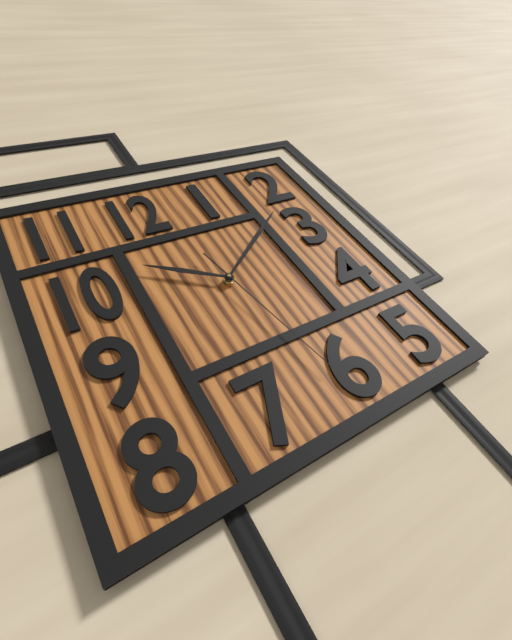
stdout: 10:09:28
